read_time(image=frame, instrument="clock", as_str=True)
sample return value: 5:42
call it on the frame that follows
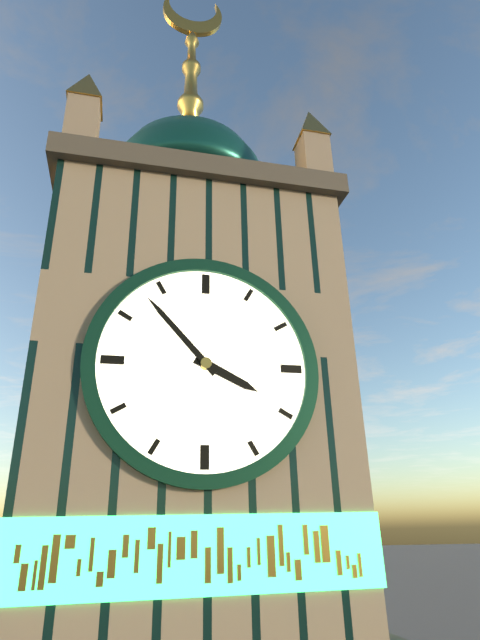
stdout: 3:53
